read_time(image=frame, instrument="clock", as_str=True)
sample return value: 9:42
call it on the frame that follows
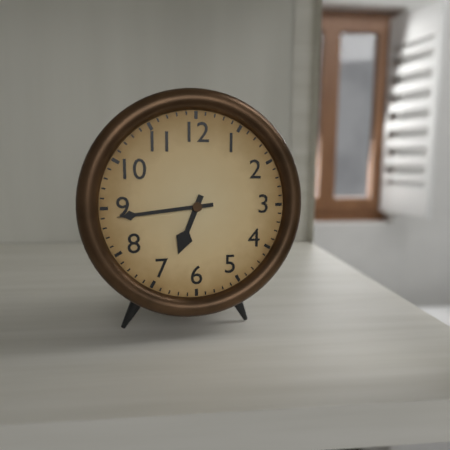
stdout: 6:44
